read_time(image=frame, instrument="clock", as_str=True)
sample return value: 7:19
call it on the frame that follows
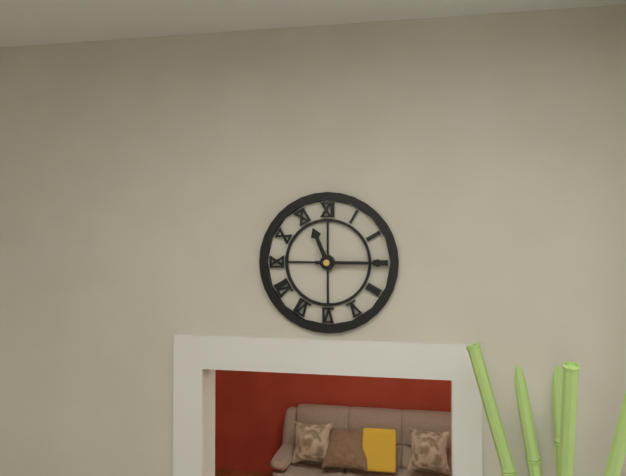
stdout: 11:15
